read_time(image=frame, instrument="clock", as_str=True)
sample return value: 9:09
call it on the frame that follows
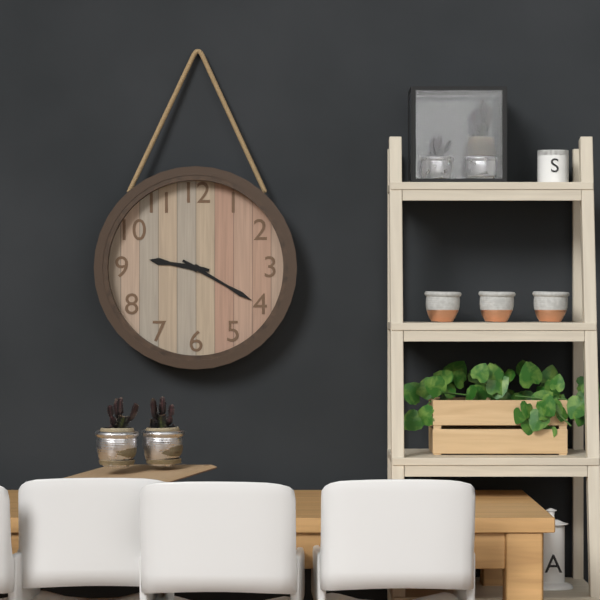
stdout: 9:20
